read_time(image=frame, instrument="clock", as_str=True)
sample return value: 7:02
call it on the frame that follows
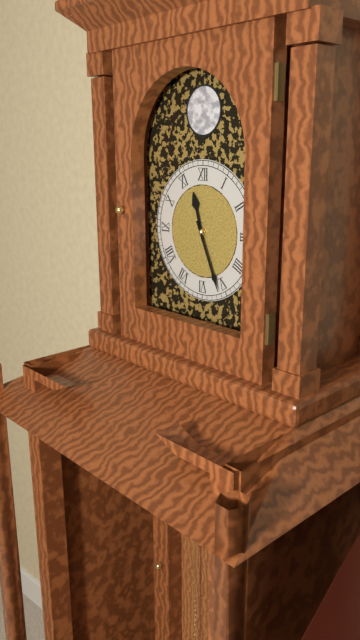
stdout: 11:26
